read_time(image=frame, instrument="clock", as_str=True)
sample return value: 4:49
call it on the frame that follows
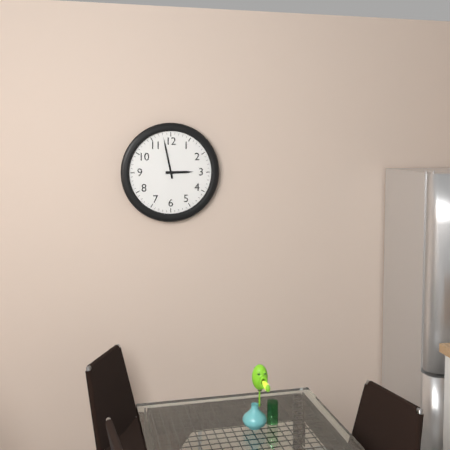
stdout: 2:58
